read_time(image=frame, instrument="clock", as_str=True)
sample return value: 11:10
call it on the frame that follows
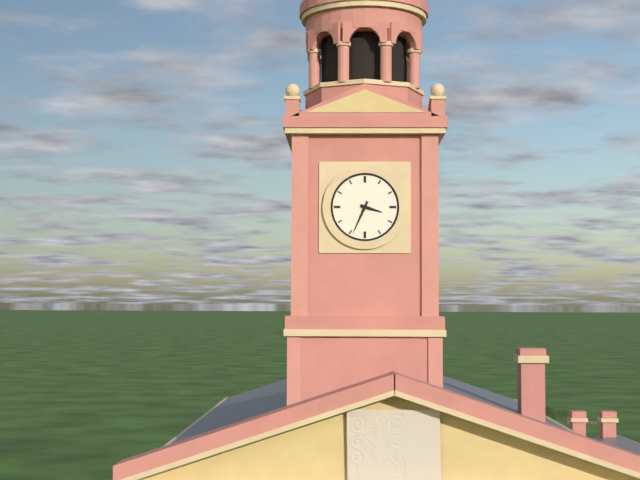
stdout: 3:34
